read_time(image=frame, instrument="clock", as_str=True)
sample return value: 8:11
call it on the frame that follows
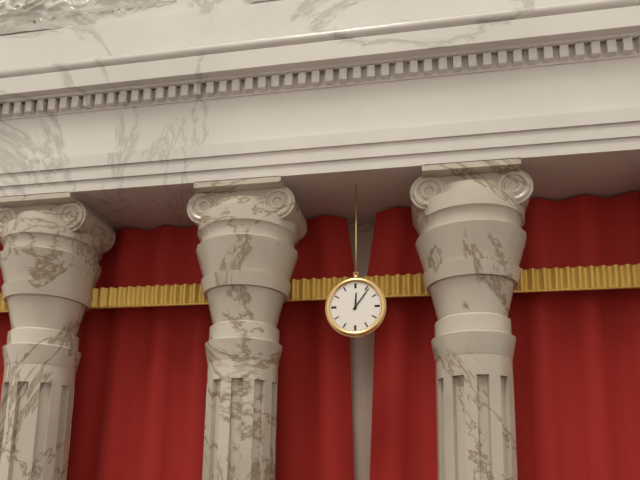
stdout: 12:06
